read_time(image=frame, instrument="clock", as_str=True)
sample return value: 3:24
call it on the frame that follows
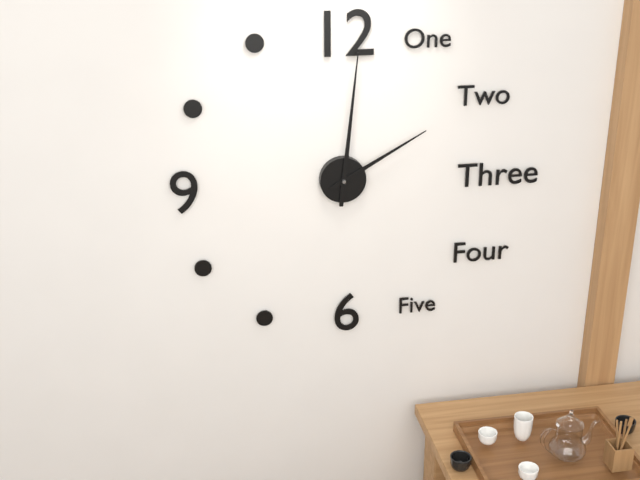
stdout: 2:01
